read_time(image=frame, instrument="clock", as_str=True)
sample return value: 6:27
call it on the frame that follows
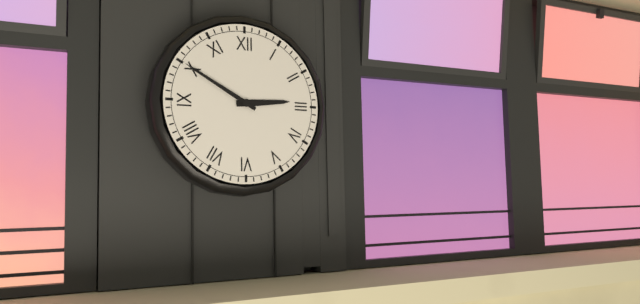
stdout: 2:50
